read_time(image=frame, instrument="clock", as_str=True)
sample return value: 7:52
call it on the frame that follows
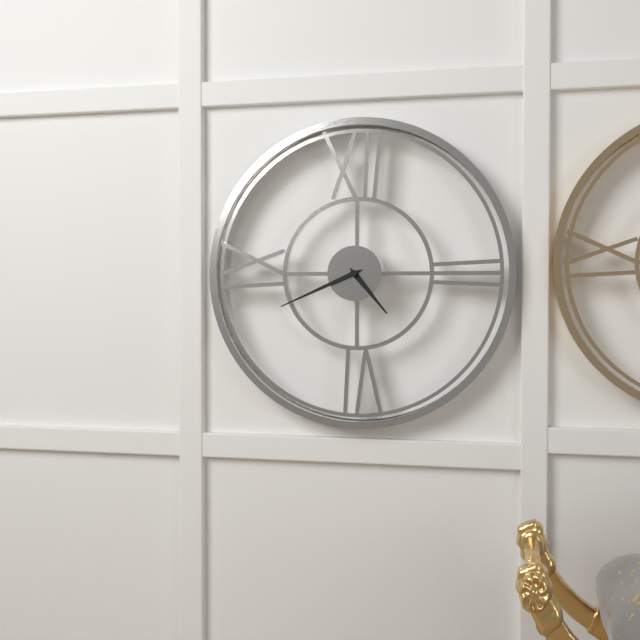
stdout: 4:41
